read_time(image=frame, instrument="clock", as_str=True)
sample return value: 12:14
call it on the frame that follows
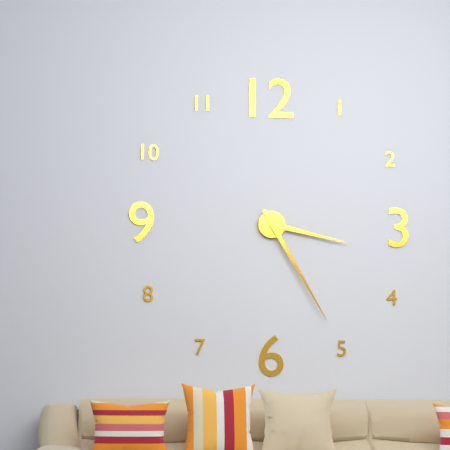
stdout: 3:25
